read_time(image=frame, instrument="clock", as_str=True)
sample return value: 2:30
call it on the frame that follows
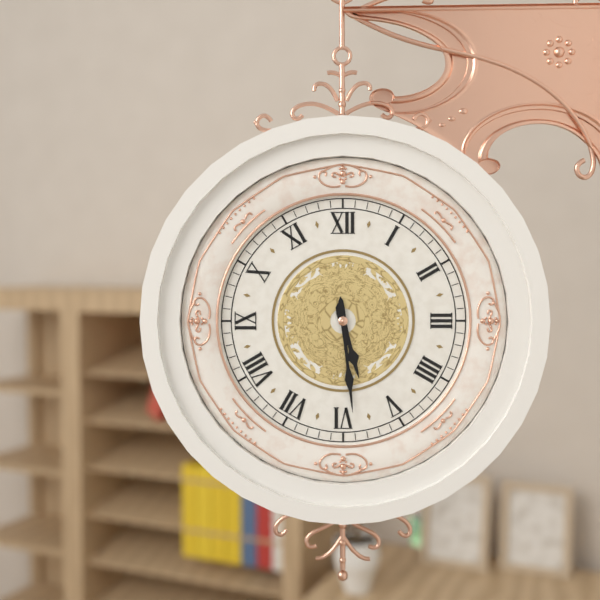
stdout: 5:29
